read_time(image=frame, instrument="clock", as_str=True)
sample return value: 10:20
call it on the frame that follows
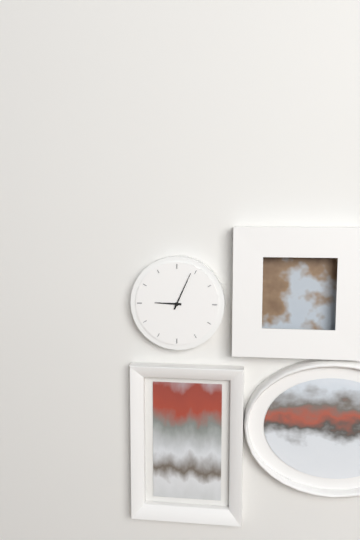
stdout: 9:04
